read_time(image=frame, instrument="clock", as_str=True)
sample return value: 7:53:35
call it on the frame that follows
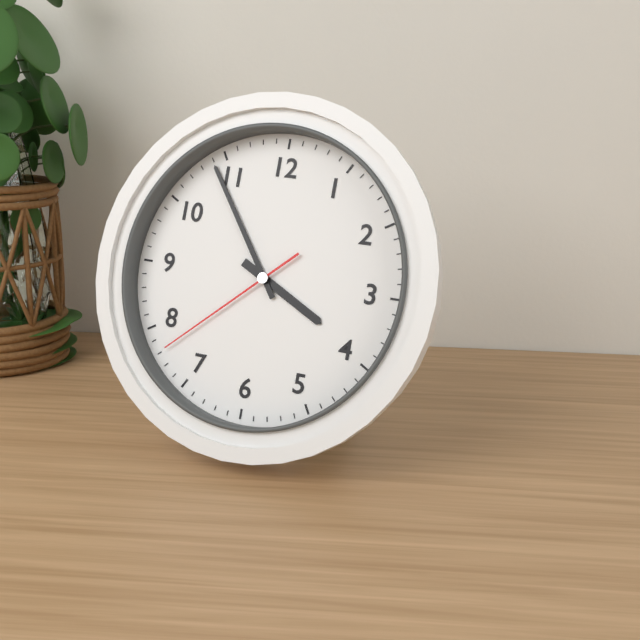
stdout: 3:54:38
